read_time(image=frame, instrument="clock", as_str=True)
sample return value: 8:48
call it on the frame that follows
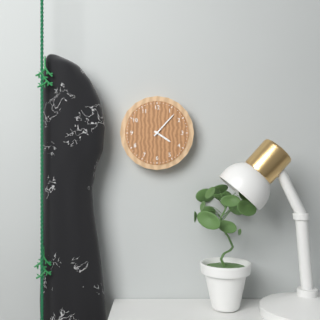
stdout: 4:07
